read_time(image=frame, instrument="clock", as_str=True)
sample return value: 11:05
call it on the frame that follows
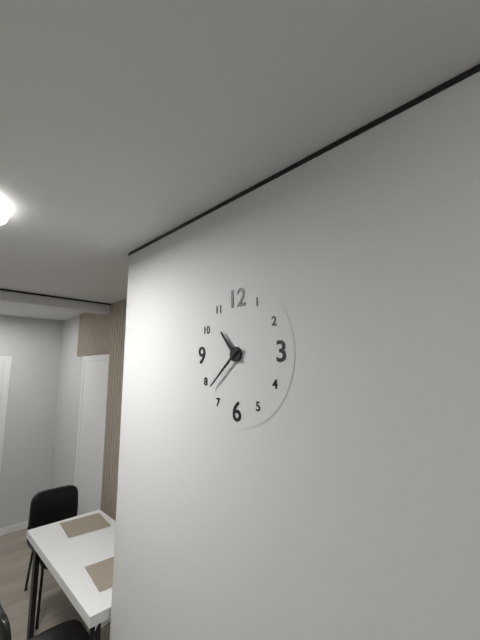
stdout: 10:38
